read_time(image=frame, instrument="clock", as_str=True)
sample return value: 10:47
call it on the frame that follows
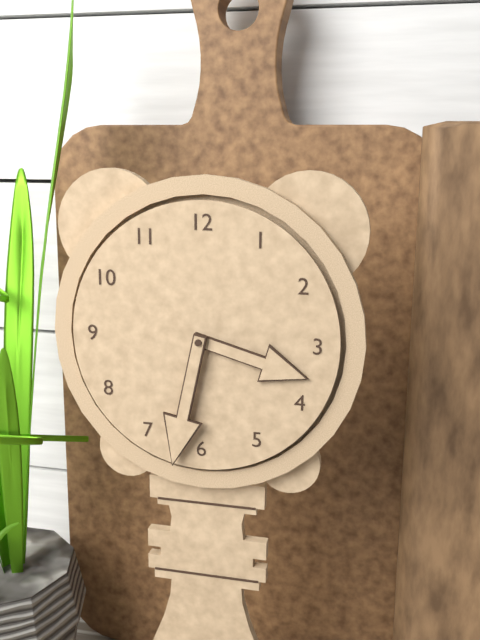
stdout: 3:32
